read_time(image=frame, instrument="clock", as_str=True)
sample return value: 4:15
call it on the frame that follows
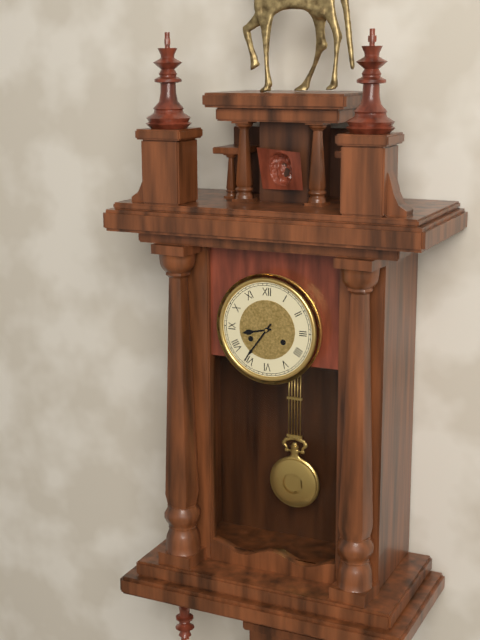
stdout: 8:36
